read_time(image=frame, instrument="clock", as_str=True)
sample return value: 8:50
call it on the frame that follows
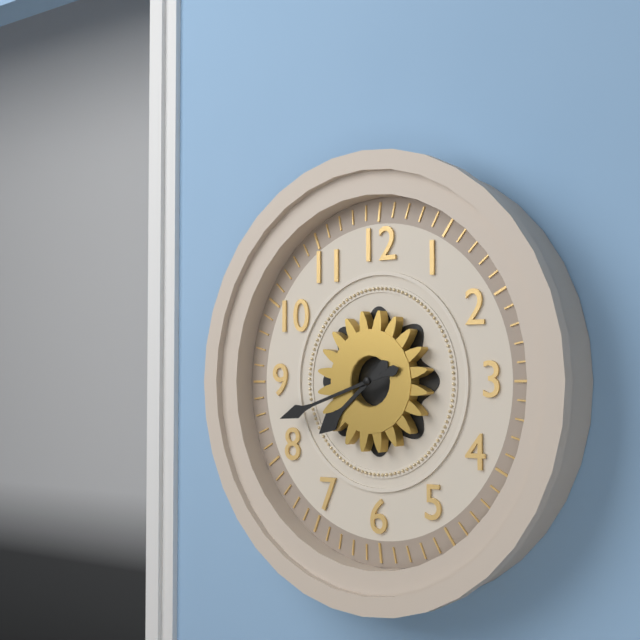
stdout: 7:42
